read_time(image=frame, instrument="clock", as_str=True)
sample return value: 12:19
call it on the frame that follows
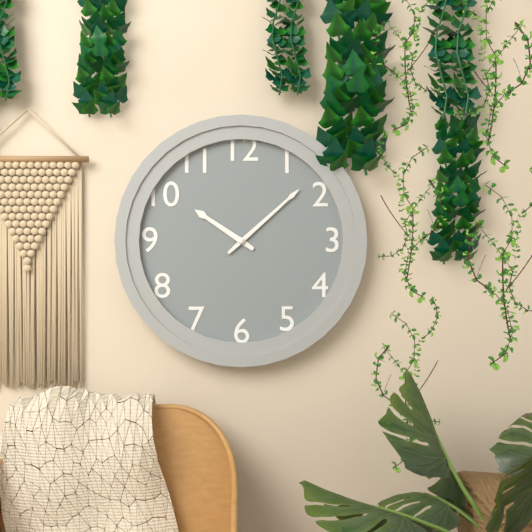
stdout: 10:08
